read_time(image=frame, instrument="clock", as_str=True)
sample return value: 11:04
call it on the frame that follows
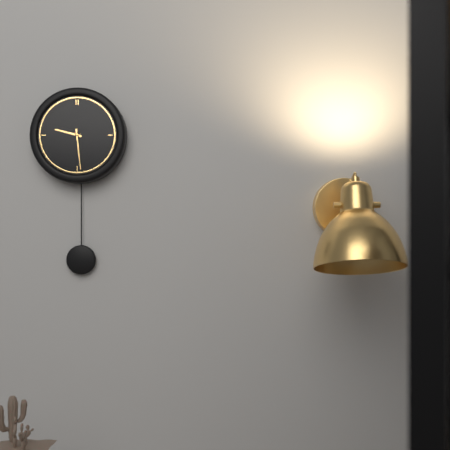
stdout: 9:29
